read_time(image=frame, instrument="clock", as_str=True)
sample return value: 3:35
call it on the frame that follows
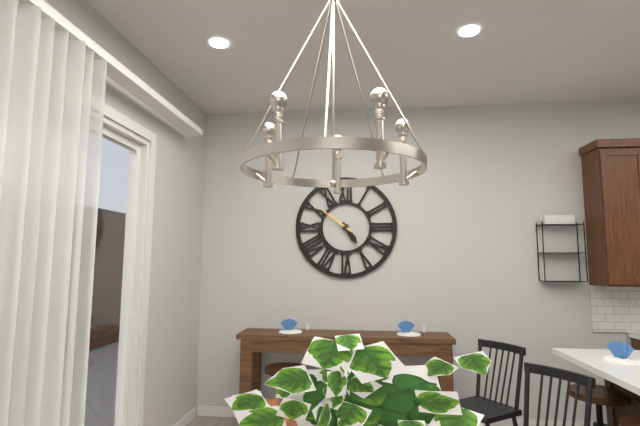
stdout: 4:51
